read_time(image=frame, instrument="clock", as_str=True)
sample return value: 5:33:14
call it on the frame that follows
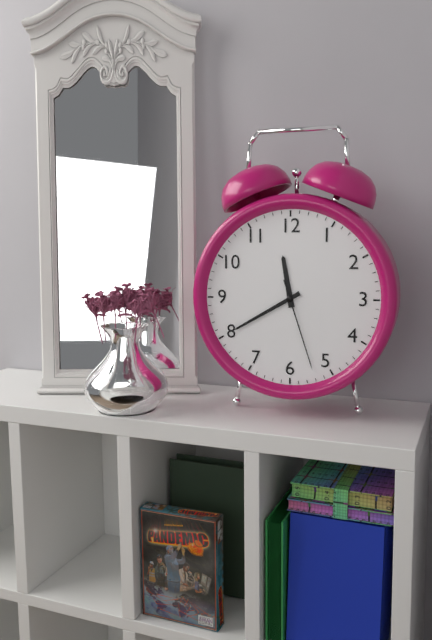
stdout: 11:40:27
